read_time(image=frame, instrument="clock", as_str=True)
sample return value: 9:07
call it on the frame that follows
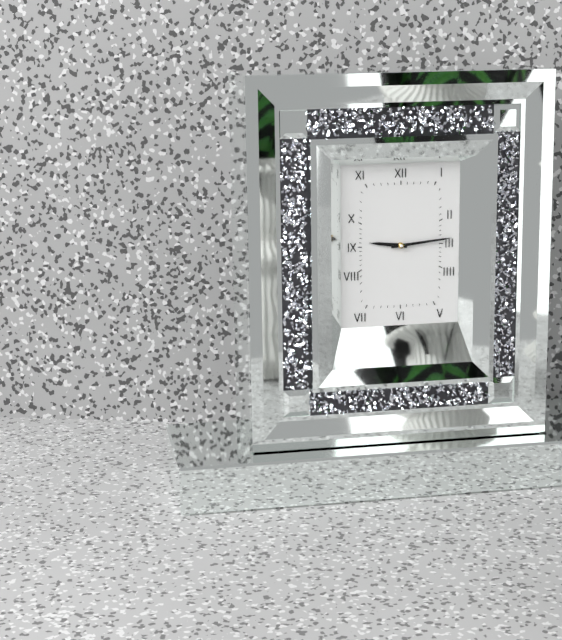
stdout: 9:14
